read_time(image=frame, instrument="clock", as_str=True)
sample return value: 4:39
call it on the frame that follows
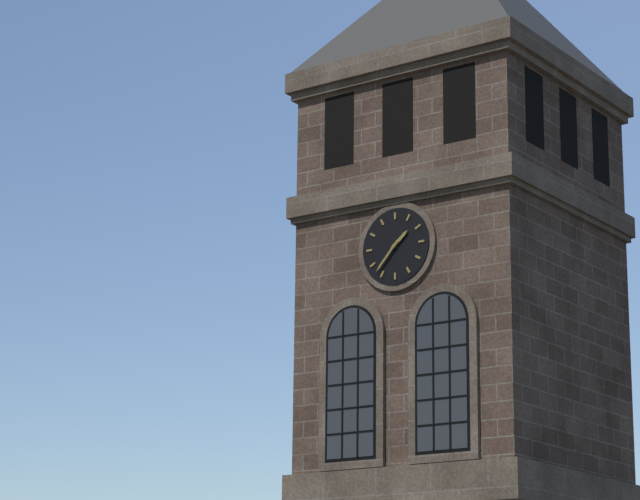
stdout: 1:37
